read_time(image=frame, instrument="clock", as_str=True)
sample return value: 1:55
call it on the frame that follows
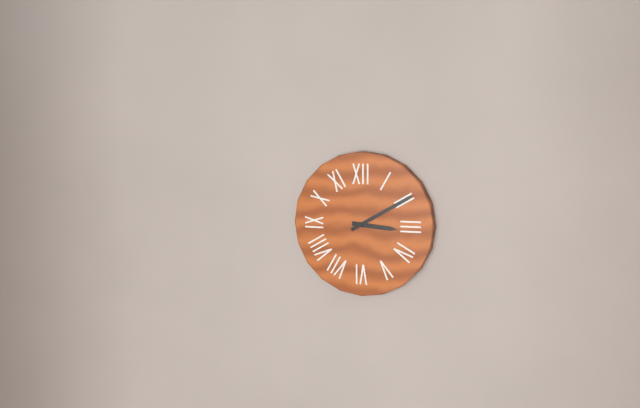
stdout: 3:10
